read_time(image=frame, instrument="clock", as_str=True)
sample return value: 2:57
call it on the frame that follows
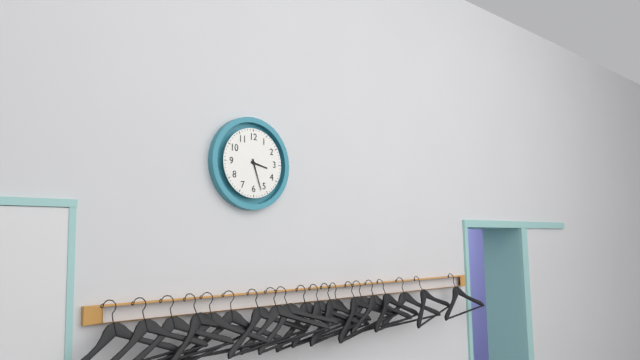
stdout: 3:27
